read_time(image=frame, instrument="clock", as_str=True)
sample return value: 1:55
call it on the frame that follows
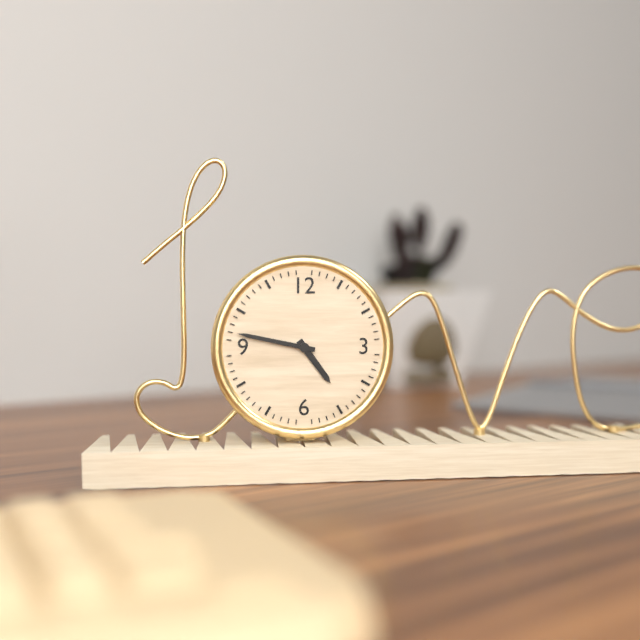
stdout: 4:47
